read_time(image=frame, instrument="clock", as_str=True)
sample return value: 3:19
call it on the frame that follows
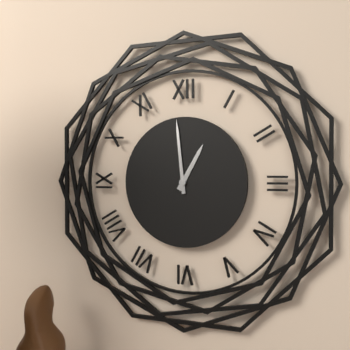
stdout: 12:59
